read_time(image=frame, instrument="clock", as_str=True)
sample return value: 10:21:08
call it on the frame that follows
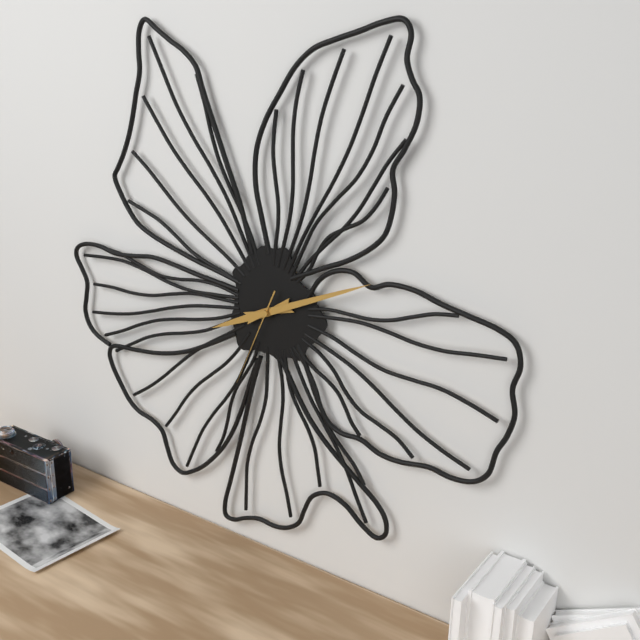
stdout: 8:11:34
